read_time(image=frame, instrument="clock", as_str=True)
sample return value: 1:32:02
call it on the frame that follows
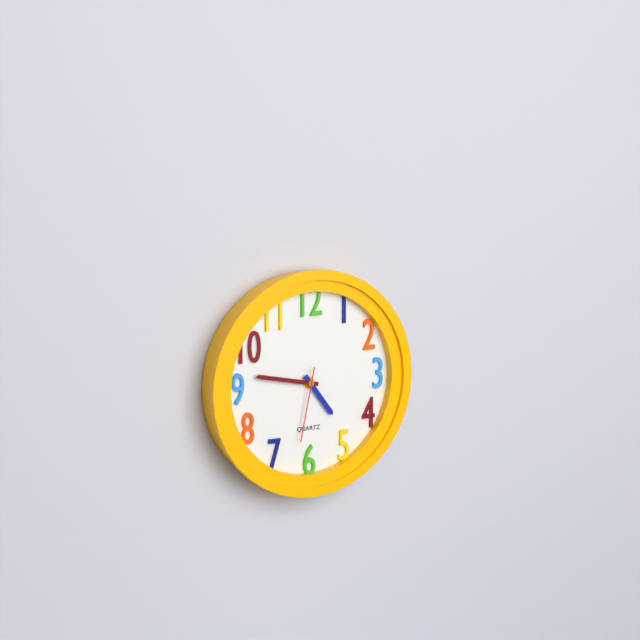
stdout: 4:47:32
